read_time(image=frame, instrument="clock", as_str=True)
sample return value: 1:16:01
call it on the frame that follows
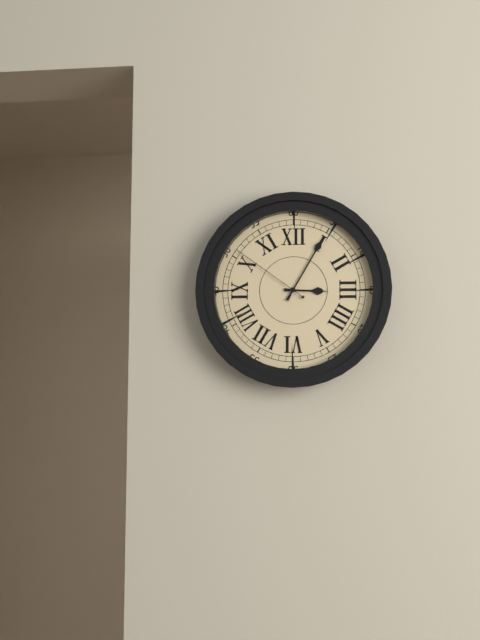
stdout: 3:05:51
